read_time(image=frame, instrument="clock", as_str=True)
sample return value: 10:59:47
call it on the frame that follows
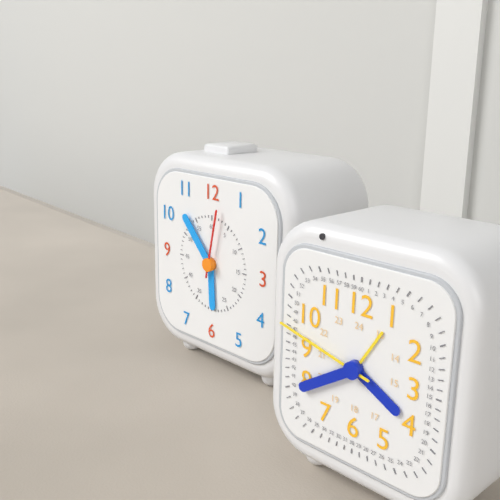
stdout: 5:53:02
